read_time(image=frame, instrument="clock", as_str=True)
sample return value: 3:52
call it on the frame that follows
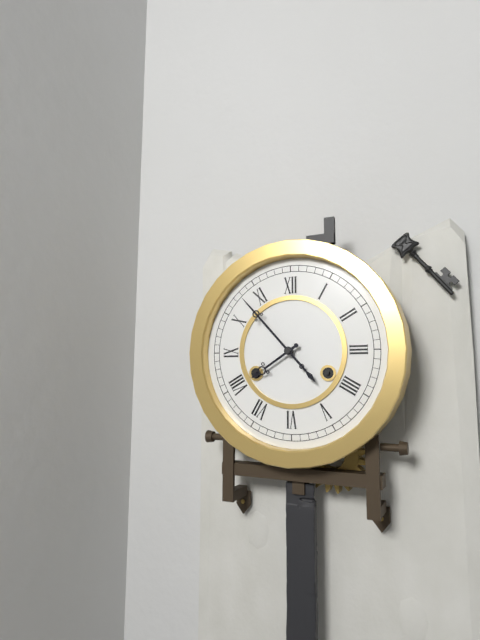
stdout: 7:53
